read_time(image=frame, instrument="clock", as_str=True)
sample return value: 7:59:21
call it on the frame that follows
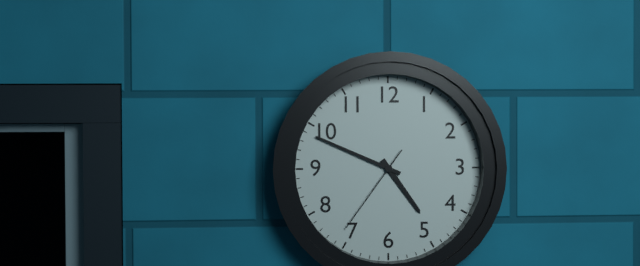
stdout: 4:49:36
